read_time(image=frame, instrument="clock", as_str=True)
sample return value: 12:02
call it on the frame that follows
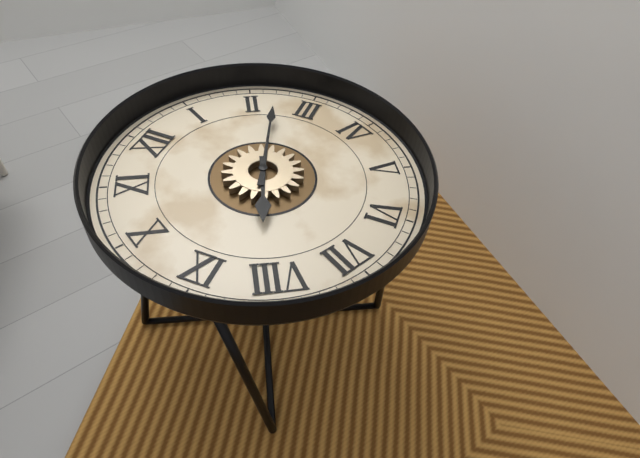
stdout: 8:12
